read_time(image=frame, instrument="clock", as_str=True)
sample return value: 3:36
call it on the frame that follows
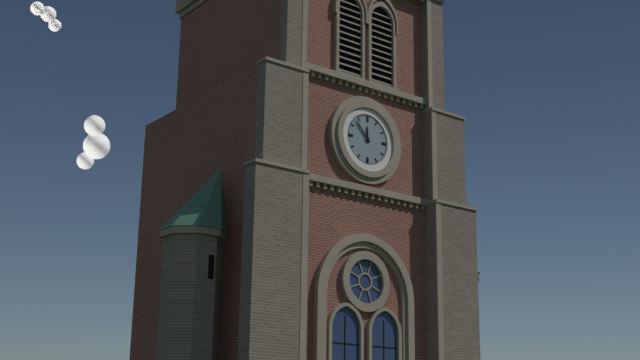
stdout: 11:53
